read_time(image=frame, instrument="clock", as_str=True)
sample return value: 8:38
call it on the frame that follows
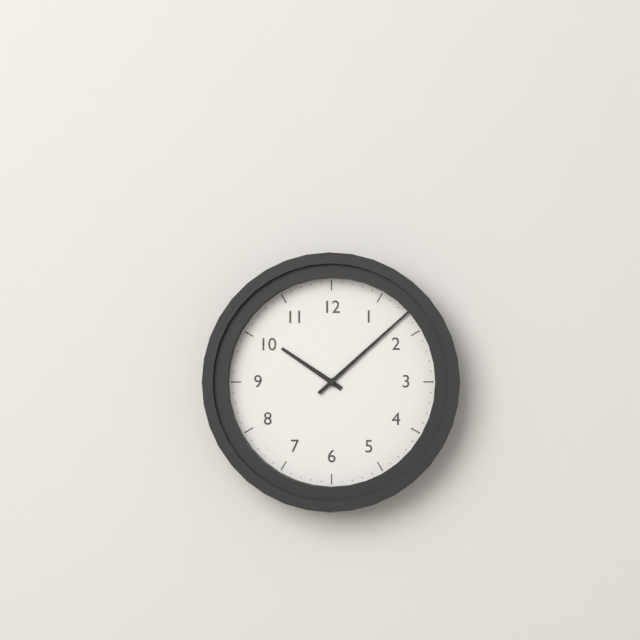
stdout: 10:08
